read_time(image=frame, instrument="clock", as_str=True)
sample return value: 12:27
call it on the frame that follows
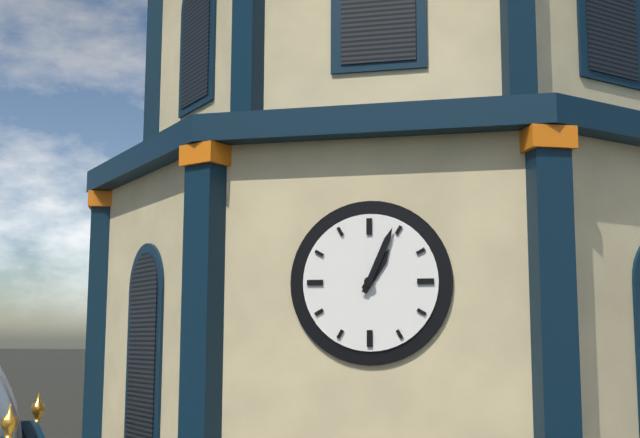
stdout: 1:04
